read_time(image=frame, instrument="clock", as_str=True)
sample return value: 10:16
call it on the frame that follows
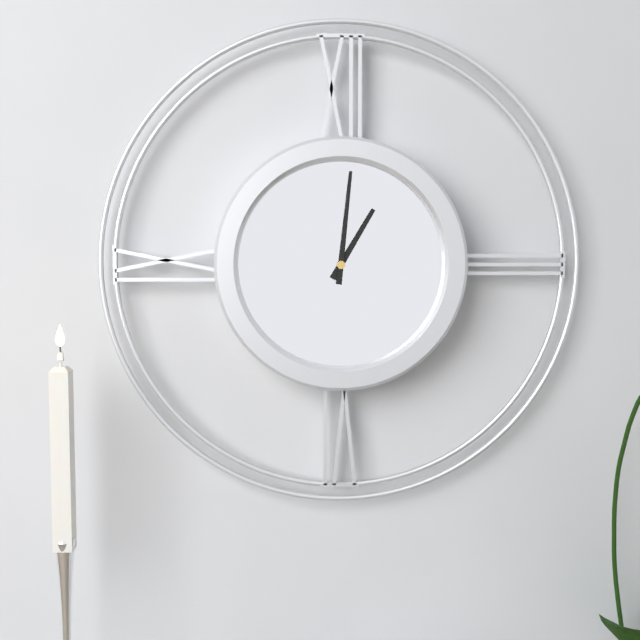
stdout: 1:01
